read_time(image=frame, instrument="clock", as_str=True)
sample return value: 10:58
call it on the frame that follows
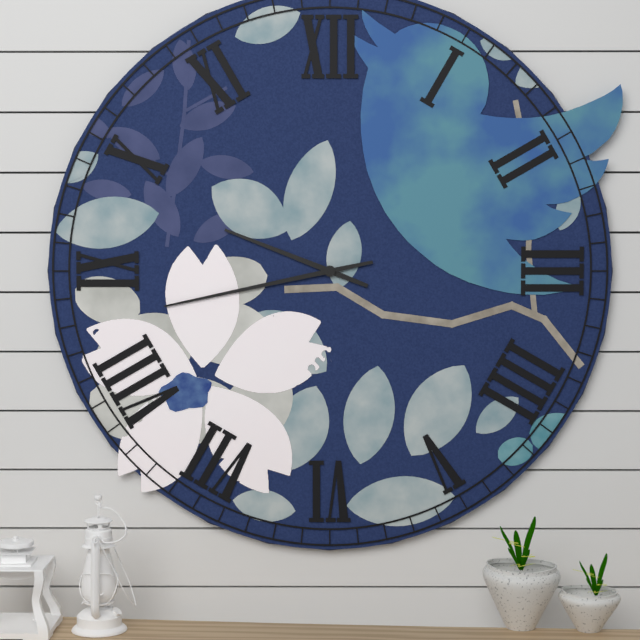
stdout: 9:43
